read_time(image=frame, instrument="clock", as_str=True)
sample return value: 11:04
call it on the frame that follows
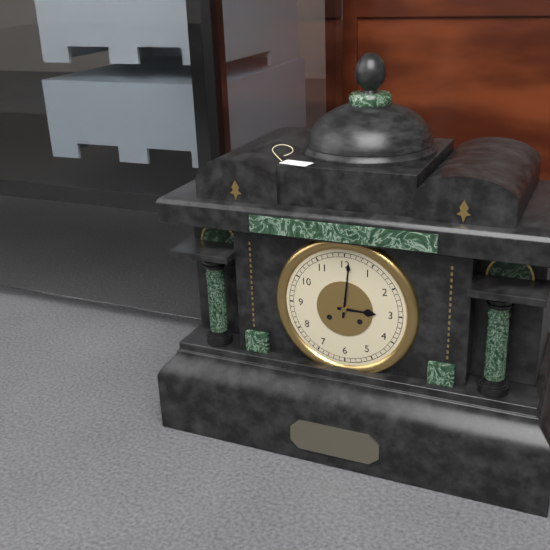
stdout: 3:01
